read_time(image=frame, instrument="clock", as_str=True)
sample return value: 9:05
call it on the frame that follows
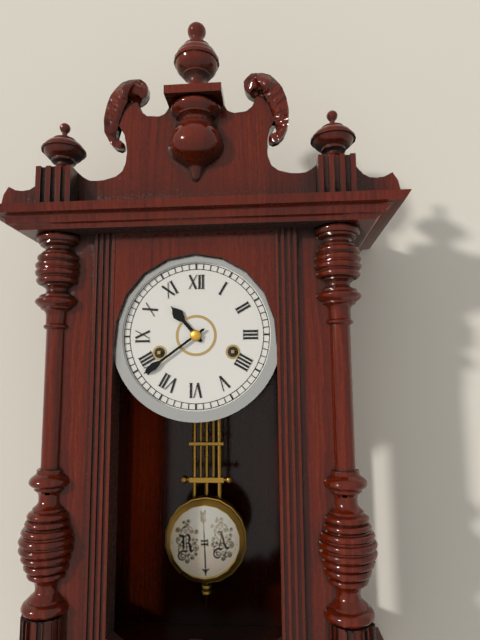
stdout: 10:39
